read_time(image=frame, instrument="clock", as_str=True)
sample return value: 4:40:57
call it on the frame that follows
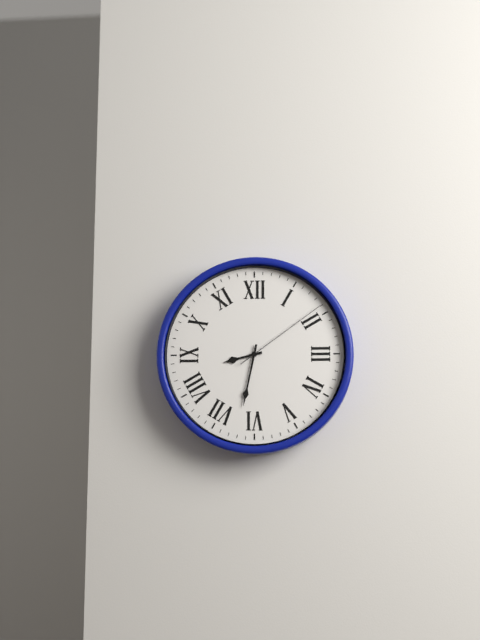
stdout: 8:32:09
